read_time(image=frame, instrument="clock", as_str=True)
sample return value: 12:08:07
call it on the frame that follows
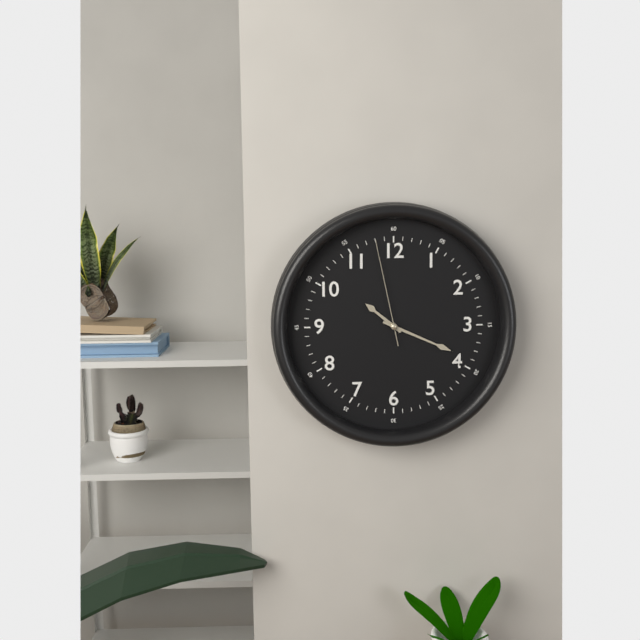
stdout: 10:19:58
